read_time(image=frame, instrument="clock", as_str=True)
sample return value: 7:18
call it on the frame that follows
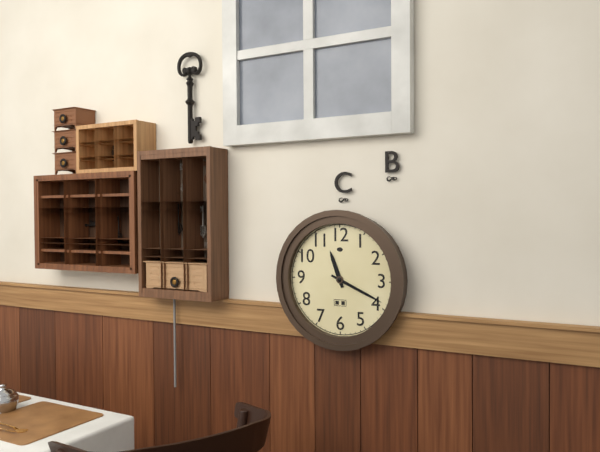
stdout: 11:19
